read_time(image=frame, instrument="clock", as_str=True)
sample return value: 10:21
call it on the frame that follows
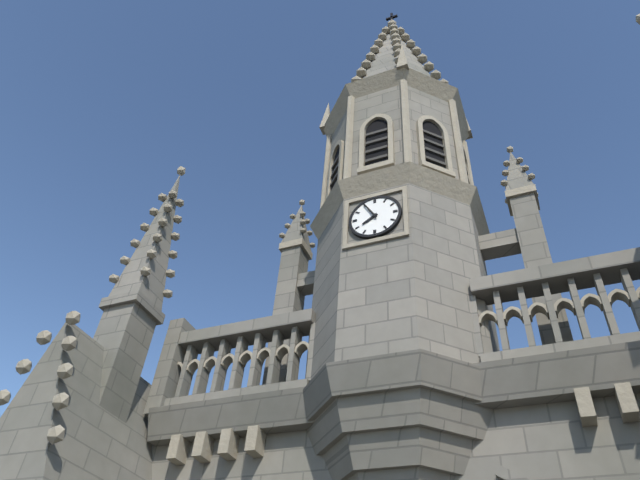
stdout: 7:55
